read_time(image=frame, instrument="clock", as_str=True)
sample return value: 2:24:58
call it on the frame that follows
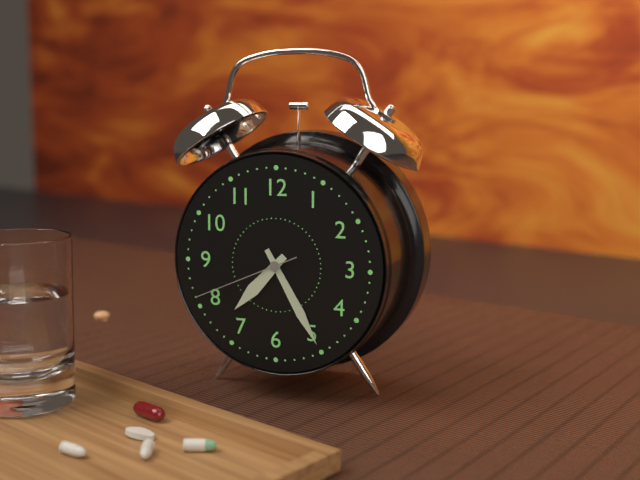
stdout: 7:25:41
